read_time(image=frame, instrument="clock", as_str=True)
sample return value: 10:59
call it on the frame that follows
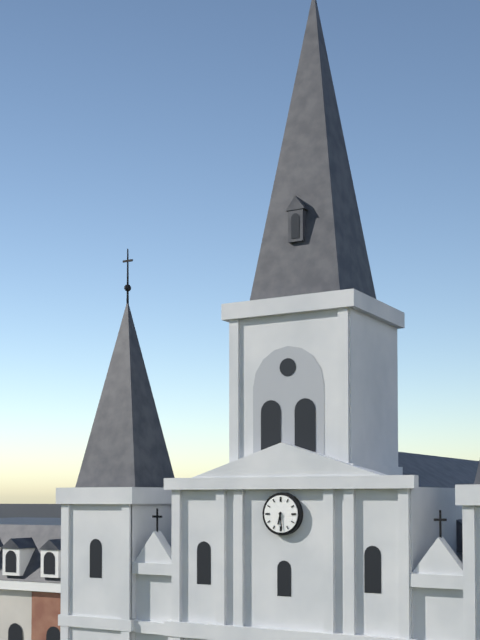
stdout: 6:29
